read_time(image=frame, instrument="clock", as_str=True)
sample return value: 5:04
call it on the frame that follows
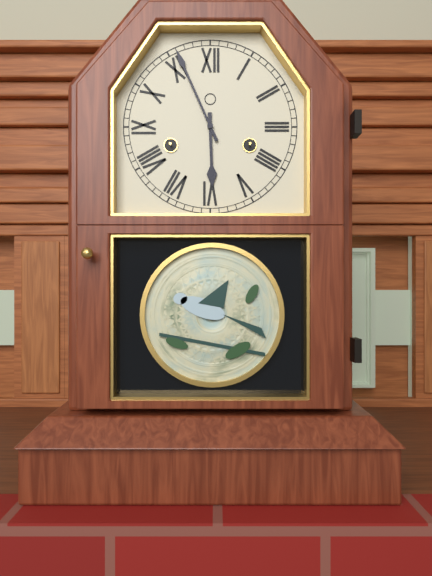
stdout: 5:56
